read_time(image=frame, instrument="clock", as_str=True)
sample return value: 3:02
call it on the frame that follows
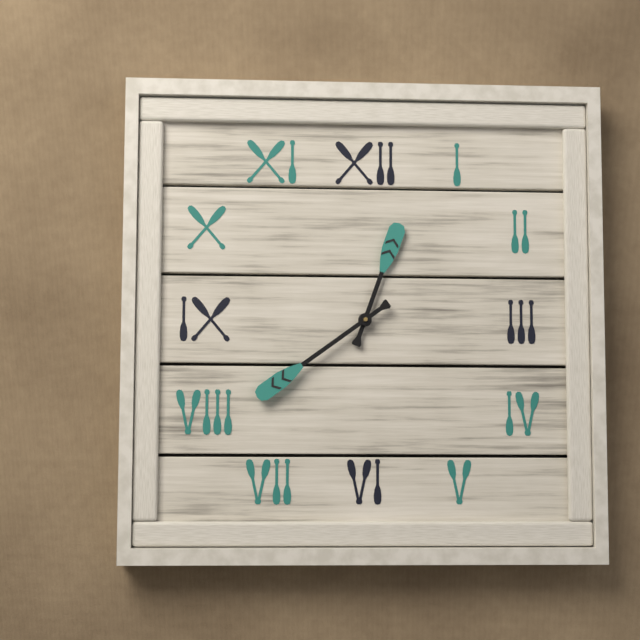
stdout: 12:39
